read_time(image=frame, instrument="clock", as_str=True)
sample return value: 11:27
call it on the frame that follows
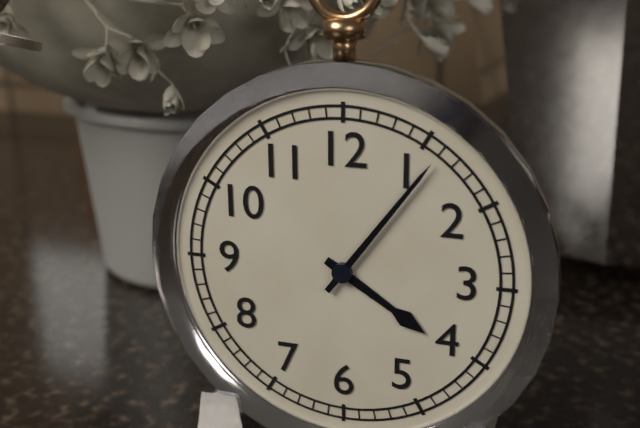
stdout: 4:06
